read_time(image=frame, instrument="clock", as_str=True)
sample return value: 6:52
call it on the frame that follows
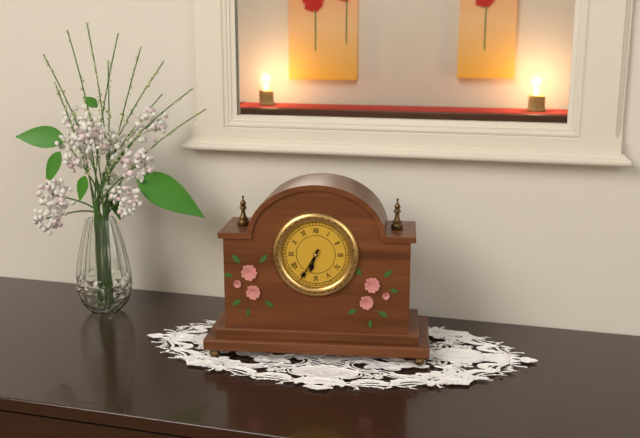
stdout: 6:35
